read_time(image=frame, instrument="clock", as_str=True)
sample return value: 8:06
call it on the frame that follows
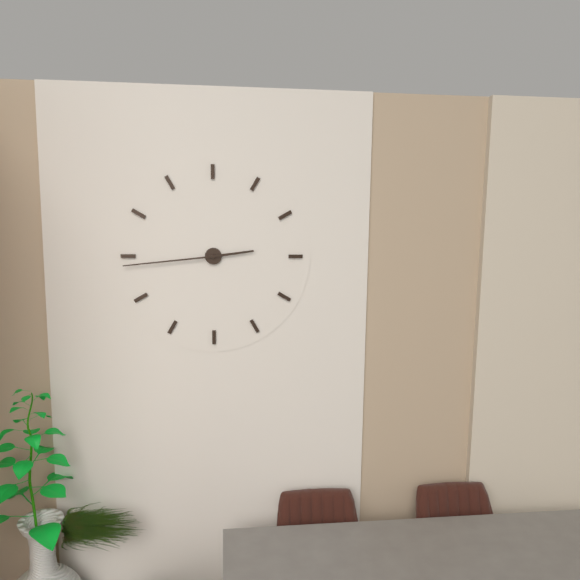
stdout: 2:44
